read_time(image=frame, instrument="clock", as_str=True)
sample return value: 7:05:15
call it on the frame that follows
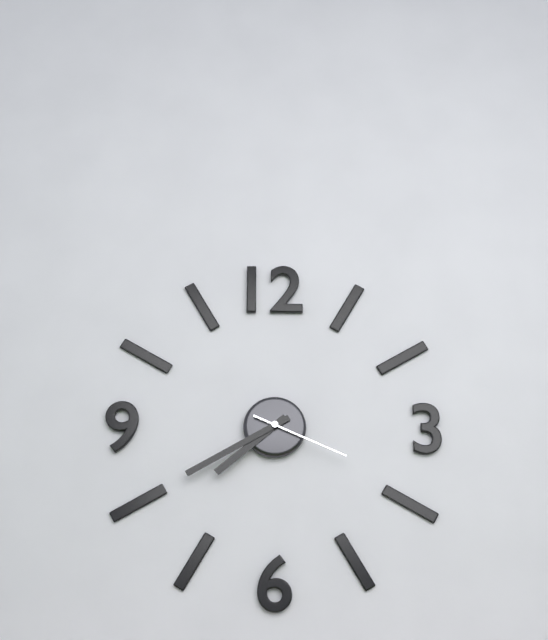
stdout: 7:40:19
